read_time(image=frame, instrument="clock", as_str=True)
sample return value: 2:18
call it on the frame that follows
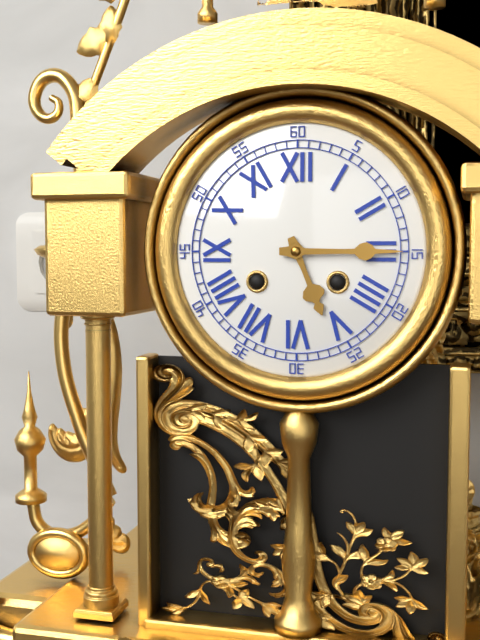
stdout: 5:15
